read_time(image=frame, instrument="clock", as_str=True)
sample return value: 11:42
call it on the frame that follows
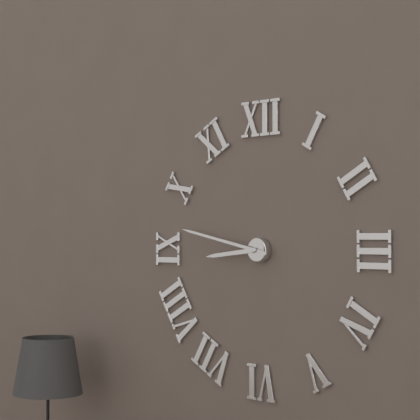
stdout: 8:47
